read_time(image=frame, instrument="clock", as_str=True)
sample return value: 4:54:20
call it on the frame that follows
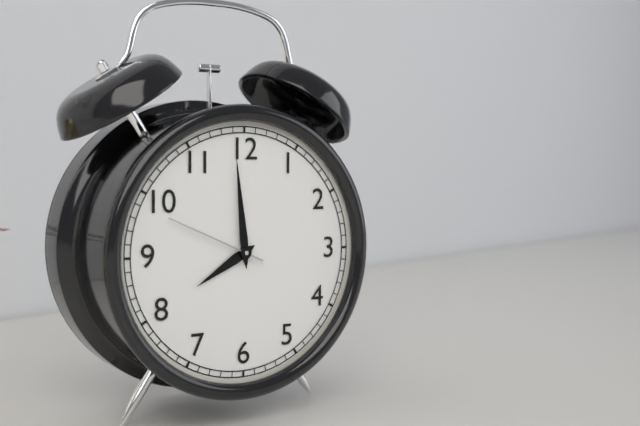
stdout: 7:59:49
